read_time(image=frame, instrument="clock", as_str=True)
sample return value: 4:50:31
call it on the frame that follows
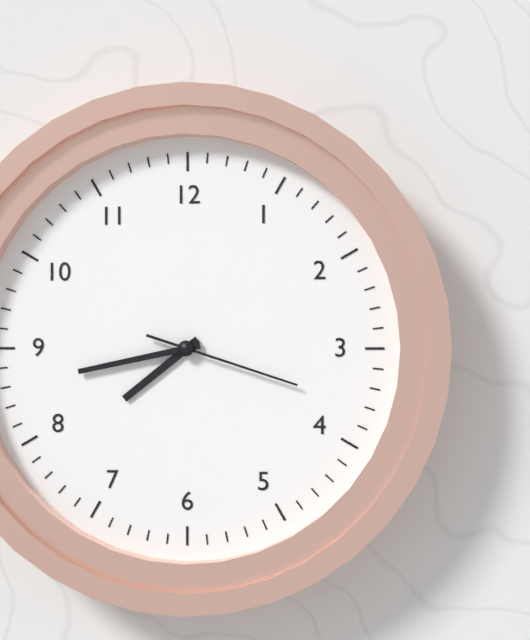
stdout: 7:43:18
